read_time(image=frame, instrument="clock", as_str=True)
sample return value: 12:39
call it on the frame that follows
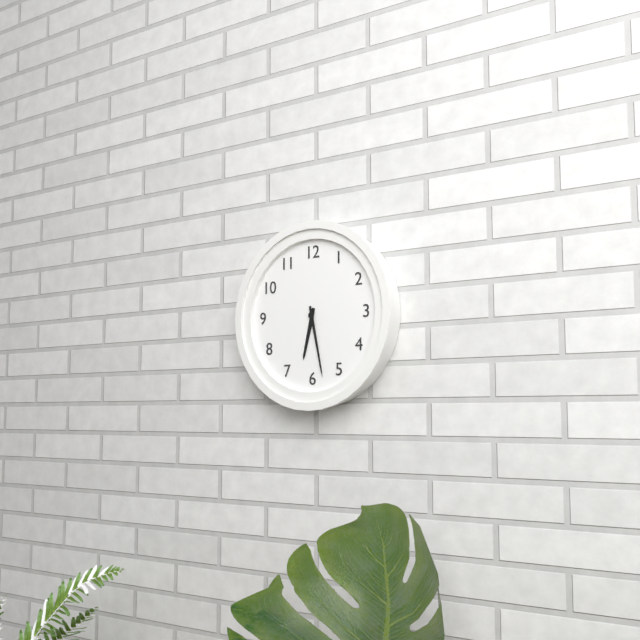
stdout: 6:28
